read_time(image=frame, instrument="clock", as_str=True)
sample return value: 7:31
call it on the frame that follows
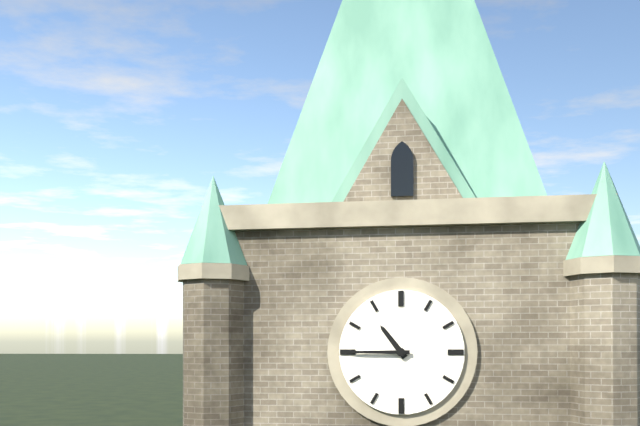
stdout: 10:45
